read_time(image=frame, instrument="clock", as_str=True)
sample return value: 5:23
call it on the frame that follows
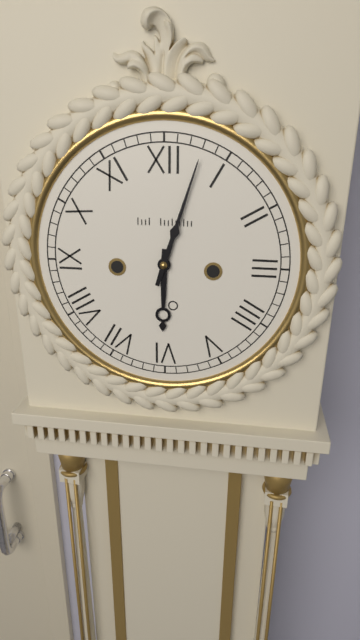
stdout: 6:03
